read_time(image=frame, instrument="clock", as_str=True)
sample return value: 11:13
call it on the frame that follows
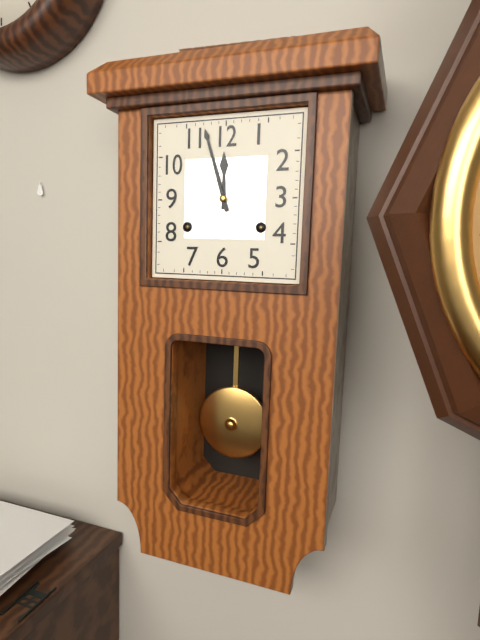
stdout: 11:57
